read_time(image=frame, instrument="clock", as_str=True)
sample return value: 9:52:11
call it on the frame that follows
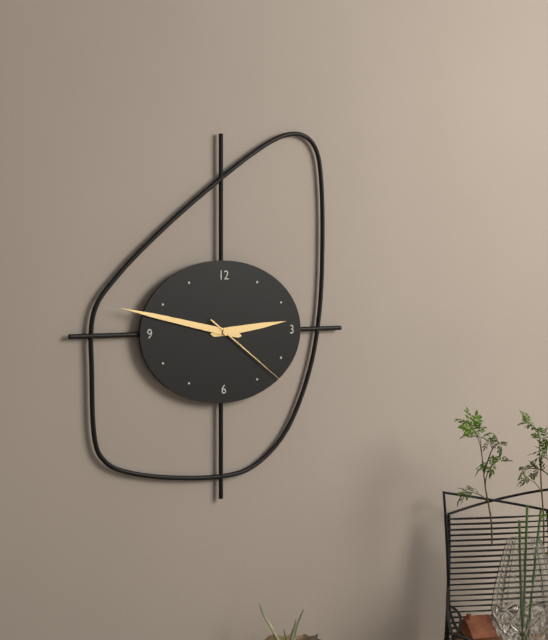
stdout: 2:47:21
